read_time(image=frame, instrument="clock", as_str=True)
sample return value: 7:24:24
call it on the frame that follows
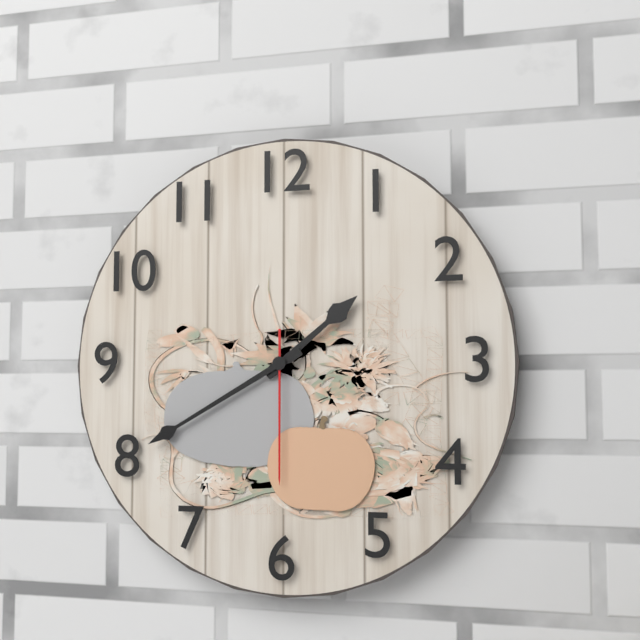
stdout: 1:40:30
